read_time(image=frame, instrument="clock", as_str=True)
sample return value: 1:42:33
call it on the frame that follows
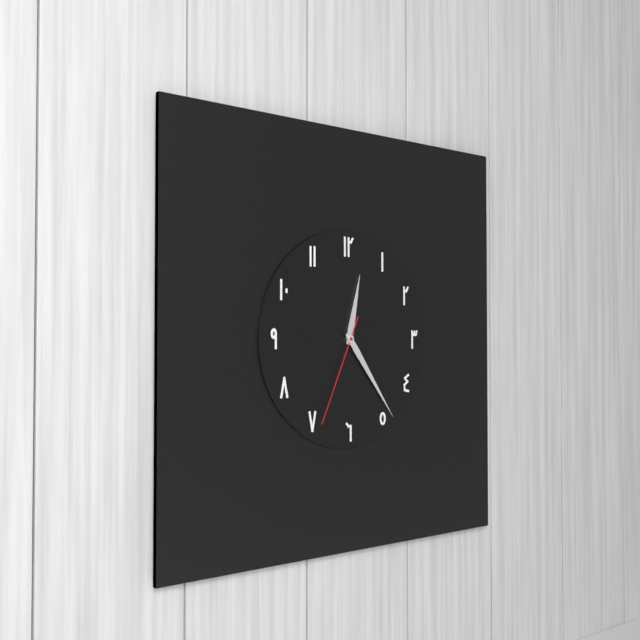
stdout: 12:24:34
